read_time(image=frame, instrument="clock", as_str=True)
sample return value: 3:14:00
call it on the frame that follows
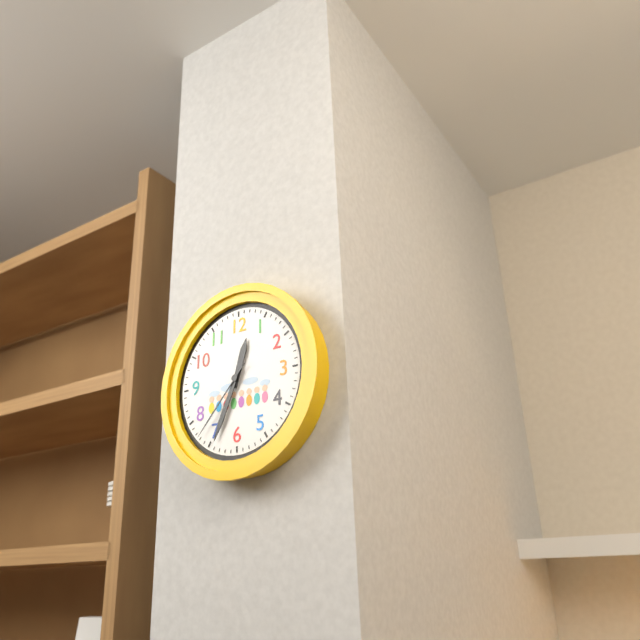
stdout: 12:34:37
